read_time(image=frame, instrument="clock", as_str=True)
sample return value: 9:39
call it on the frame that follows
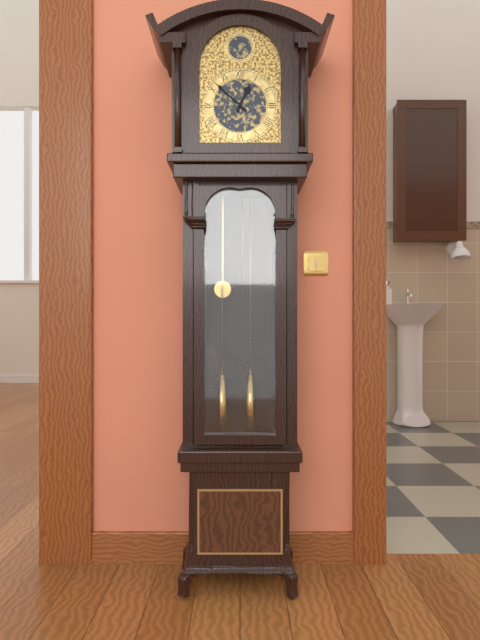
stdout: 12:52
